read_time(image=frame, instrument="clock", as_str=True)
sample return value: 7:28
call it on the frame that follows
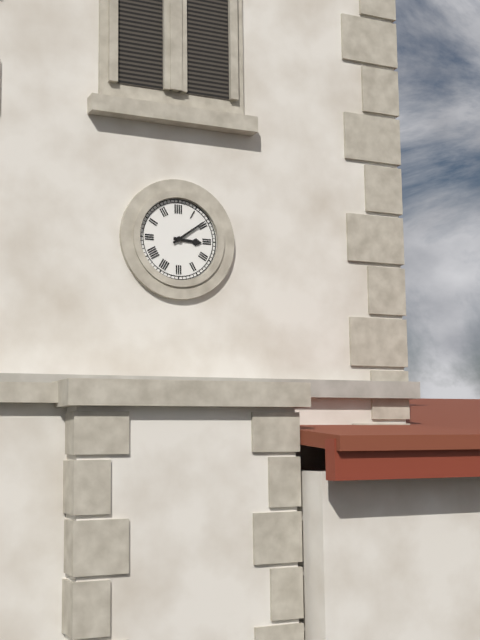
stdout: 3:09
